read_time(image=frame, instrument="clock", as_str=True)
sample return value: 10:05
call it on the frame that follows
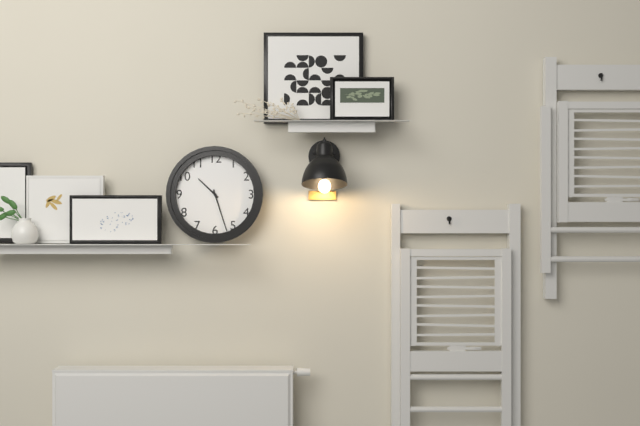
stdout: 10:27
